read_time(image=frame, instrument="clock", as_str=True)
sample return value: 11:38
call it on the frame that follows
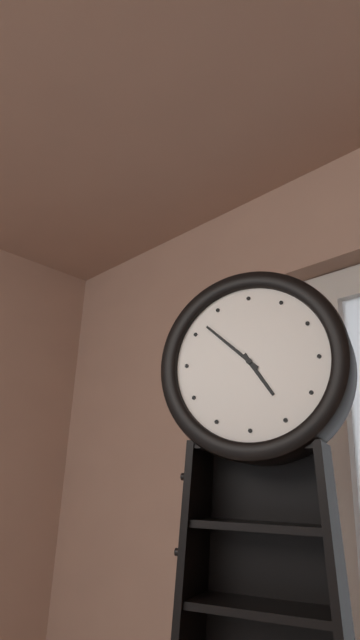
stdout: 4:52
